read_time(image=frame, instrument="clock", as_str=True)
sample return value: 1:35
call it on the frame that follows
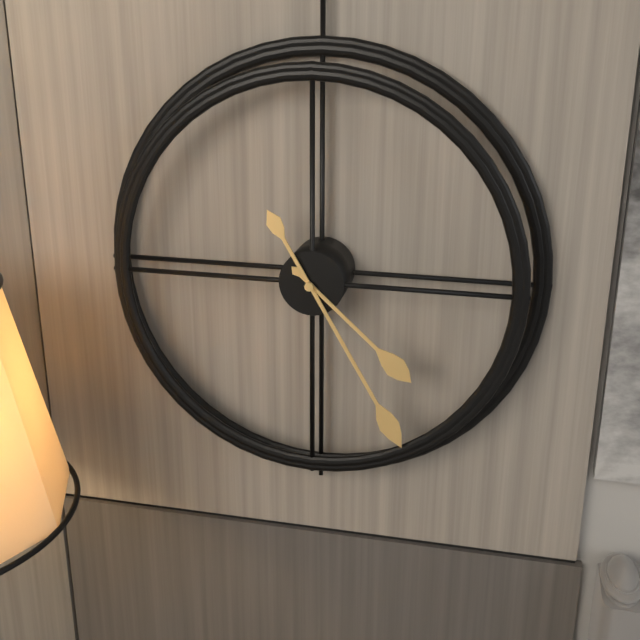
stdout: 4:25
